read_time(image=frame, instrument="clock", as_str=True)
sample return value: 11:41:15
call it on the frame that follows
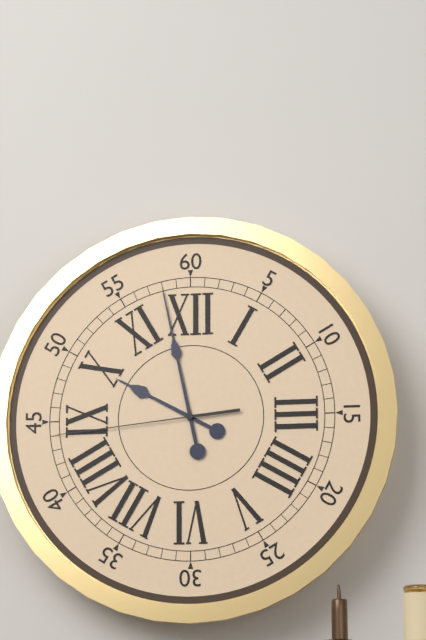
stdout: 9:58:44
